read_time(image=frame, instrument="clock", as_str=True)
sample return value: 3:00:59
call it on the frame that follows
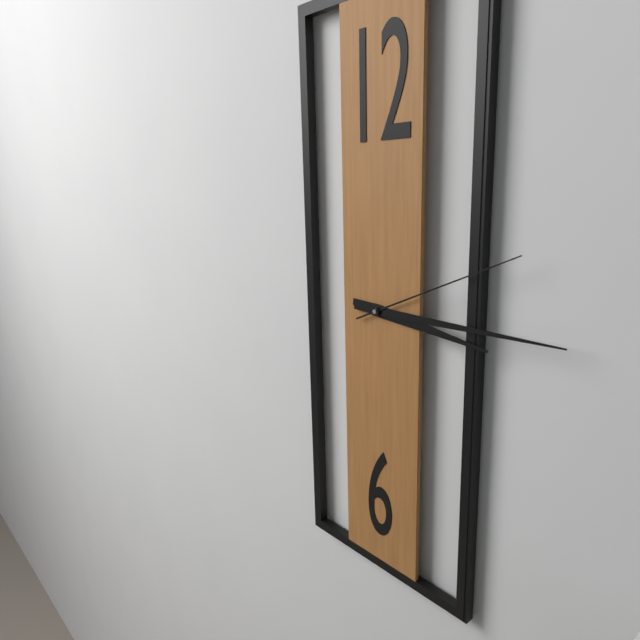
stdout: 3:15:11
